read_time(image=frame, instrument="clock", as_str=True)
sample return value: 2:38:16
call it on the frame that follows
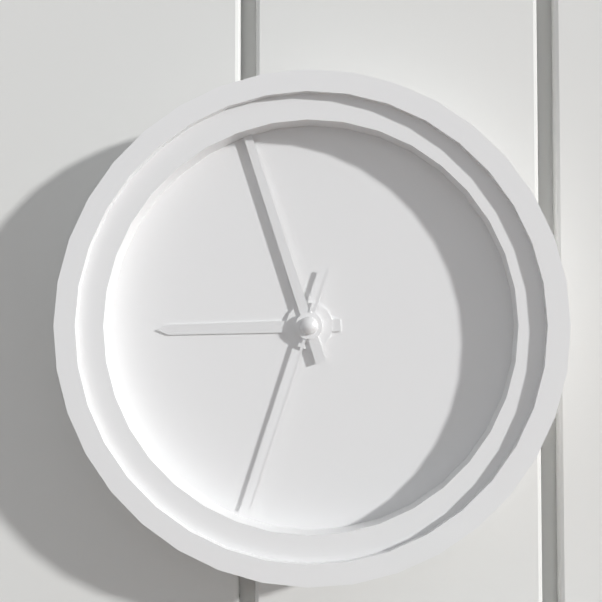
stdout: 8:57:33
